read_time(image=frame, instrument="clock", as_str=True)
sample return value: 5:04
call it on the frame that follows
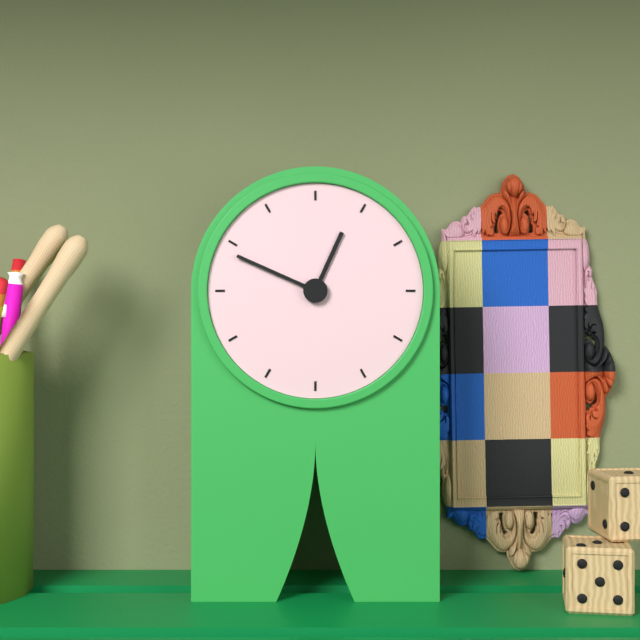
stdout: 12:49
